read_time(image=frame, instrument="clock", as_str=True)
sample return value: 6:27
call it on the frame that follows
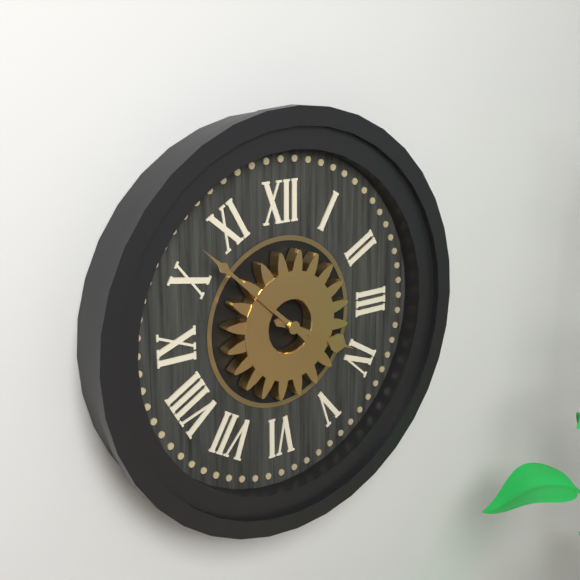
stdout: 3:52
